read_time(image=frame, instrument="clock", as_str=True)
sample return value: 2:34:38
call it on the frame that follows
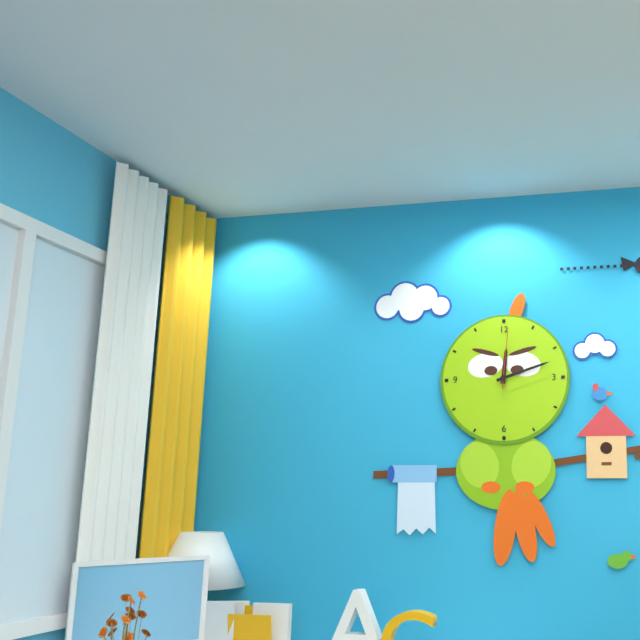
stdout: 12:12:01
